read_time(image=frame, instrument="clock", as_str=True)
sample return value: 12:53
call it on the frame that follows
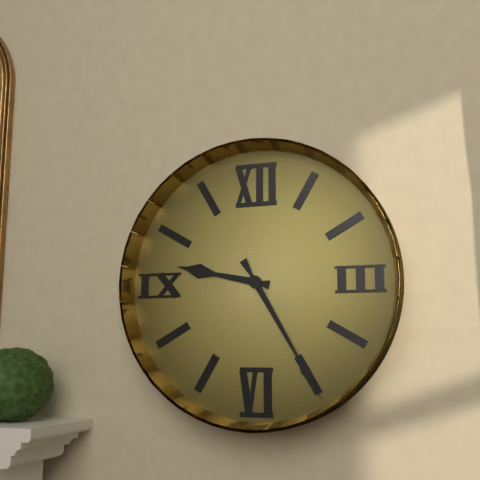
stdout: 9:25
